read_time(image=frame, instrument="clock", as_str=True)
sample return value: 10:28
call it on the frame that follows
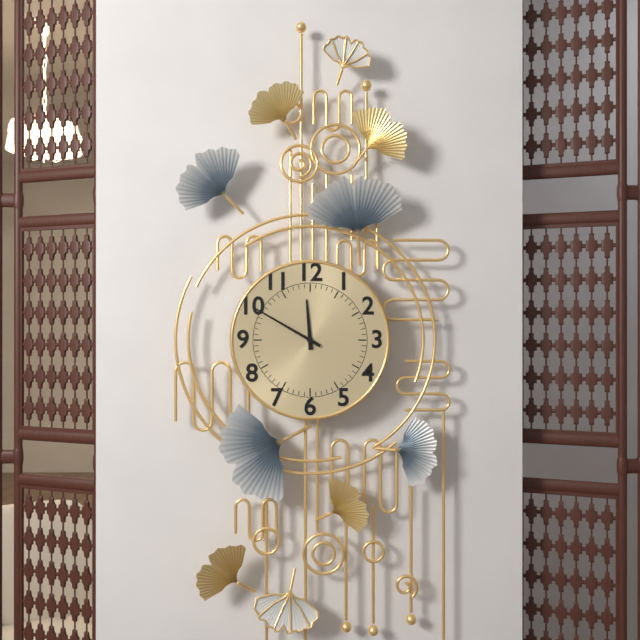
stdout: 11:50
